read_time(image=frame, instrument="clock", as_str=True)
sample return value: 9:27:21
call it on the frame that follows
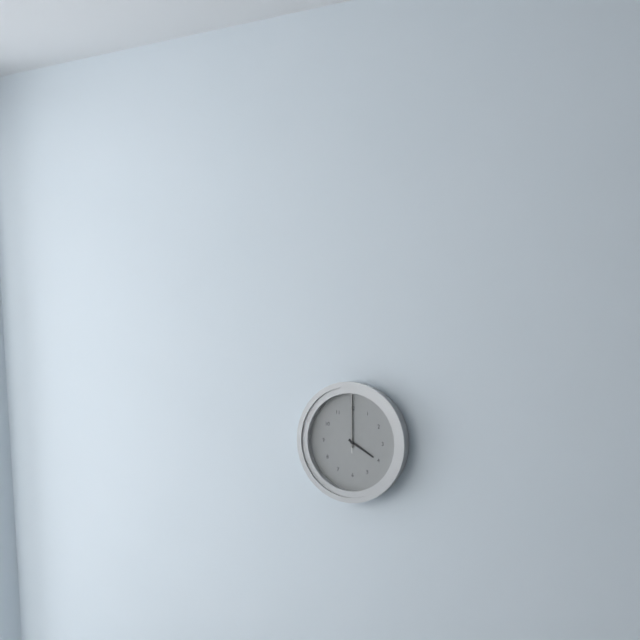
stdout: 4:00:00
